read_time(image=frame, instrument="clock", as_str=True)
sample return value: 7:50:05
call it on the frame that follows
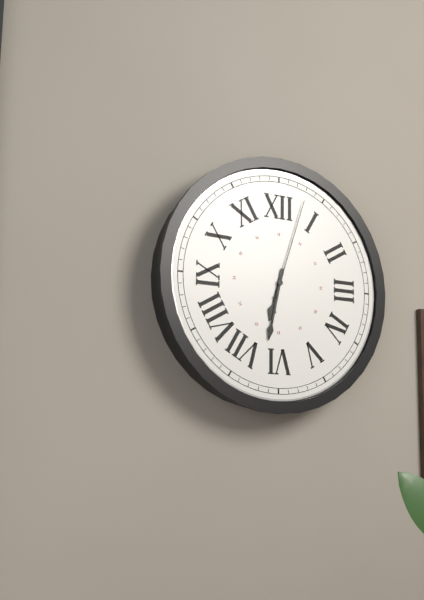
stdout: 6:32:03
